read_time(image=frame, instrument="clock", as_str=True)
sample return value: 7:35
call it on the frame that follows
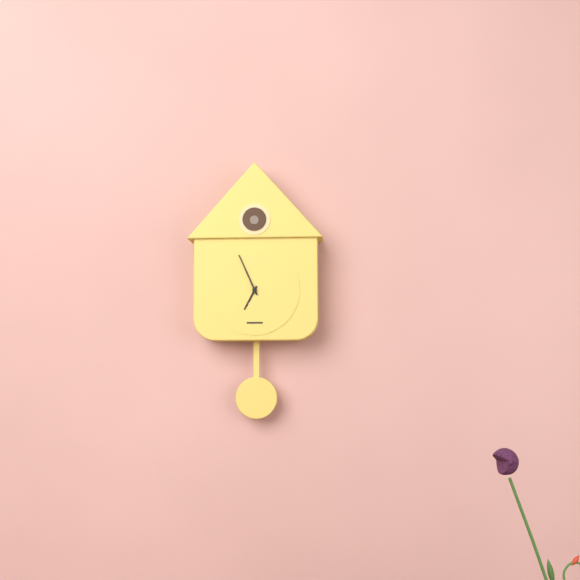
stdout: 6:56
